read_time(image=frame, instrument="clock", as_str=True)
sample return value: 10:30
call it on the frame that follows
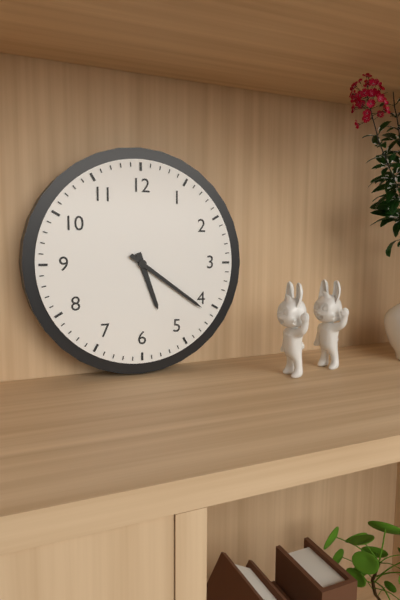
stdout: 5:21
